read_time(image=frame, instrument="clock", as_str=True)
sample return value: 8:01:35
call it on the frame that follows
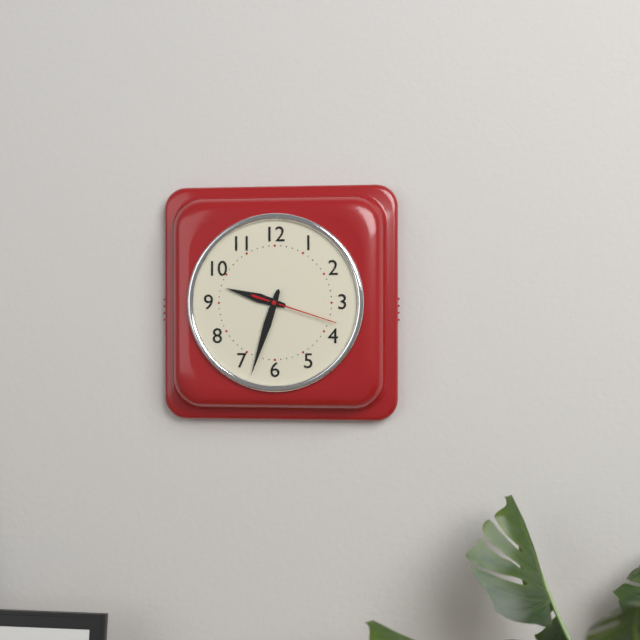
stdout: 9:33:18
